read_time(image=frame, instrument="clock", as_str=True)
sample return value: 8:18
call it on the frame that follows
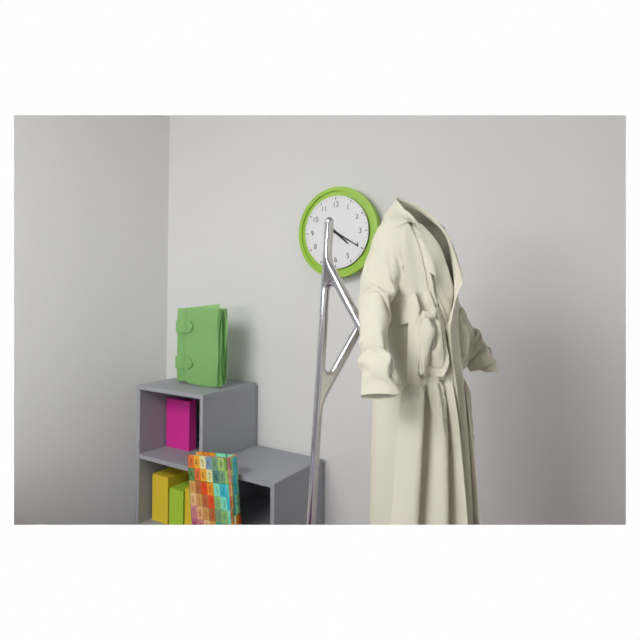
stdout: 4:20
